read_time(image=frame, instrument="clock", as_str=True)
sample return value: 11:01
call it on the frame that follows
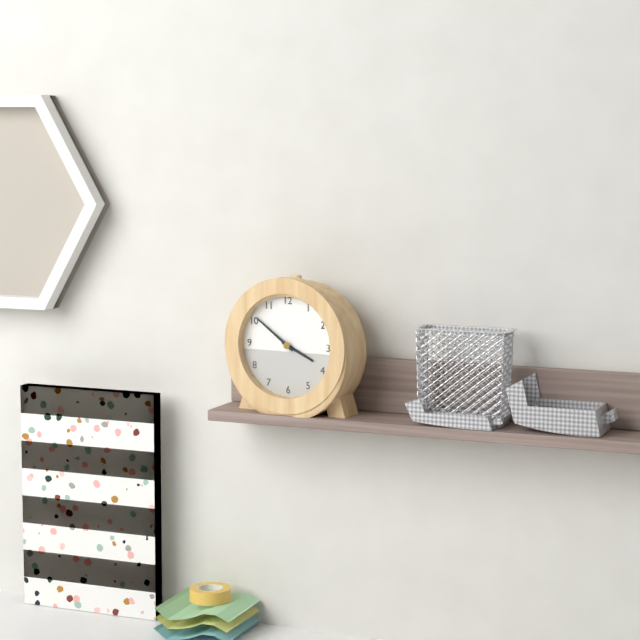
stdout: 3:51
